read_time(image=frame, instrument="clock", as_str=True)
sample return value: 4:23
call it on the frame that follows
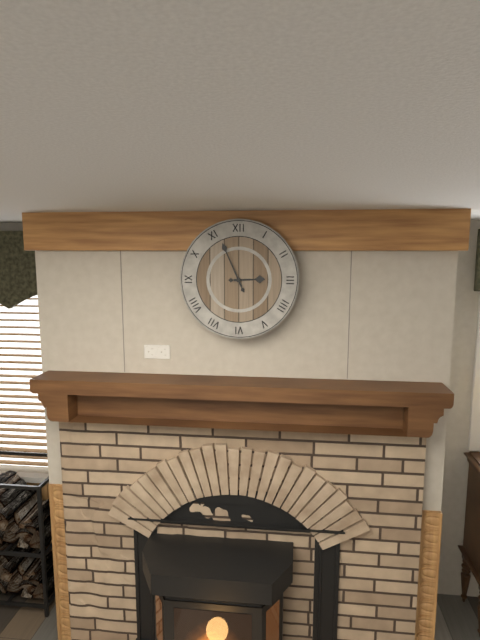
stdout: 2:56
